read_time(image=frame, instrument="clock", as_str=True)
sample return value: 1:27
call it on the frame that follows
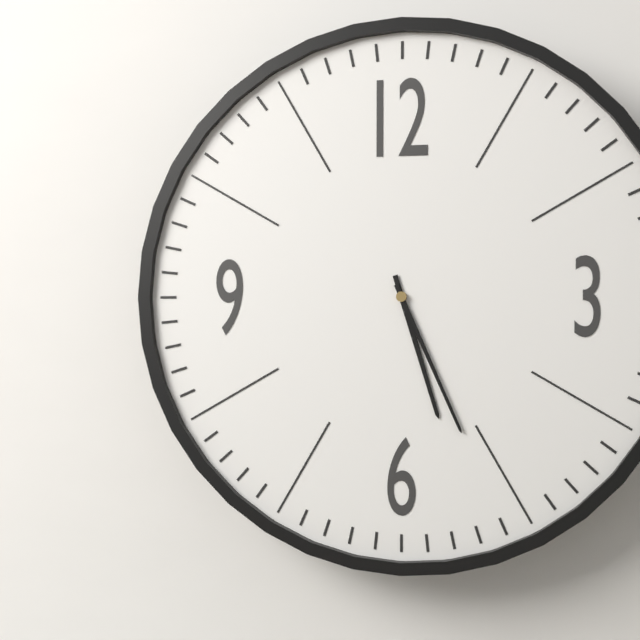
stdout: 5:26
